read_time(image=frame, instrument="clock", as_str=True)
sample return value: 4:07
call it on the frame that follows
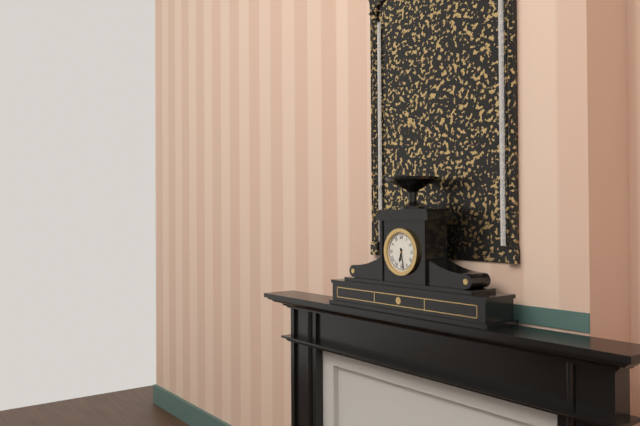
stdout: 6:28
